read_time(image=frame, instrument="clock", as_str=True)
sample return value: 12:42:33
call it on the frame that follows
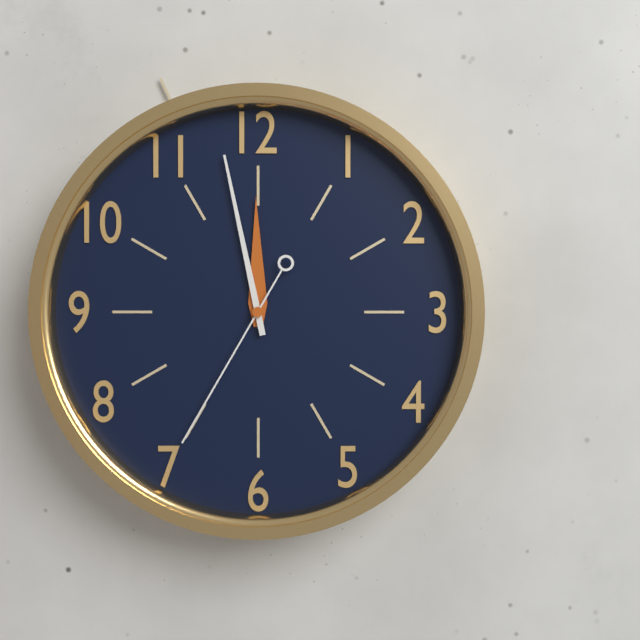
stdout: 11:58:35
